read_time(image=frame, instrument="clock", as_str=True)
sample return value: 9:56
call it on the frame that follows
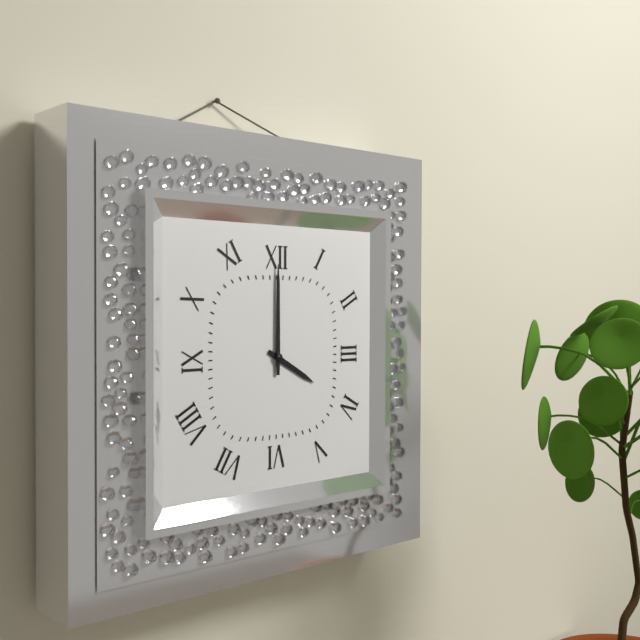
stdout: 4:00
